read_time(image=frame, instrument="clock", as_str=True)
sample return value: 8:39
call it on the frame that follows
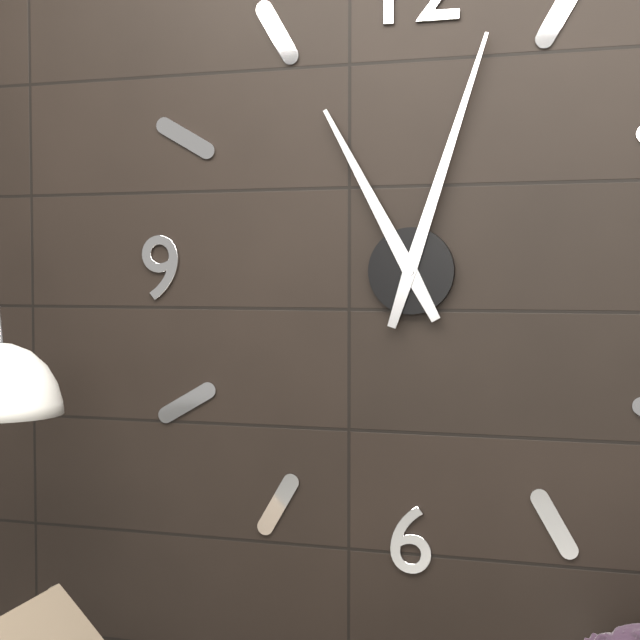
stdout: 11:03
